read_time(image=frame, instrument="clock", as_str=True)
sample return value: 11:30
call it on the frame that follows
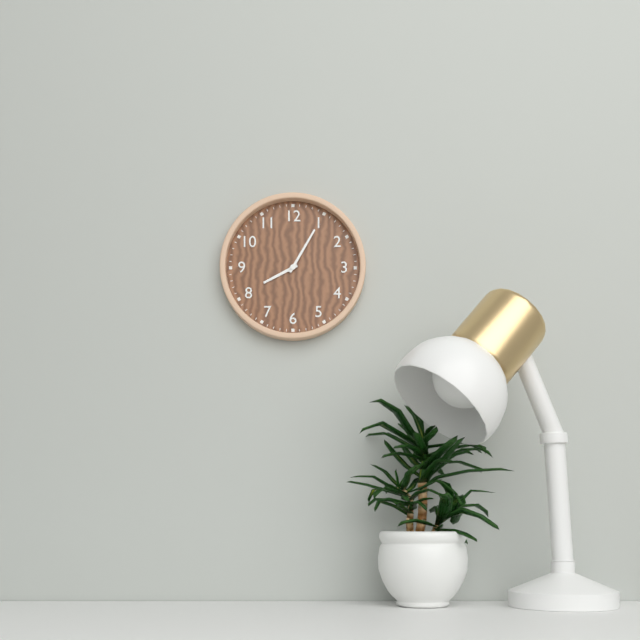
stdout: 8:05
